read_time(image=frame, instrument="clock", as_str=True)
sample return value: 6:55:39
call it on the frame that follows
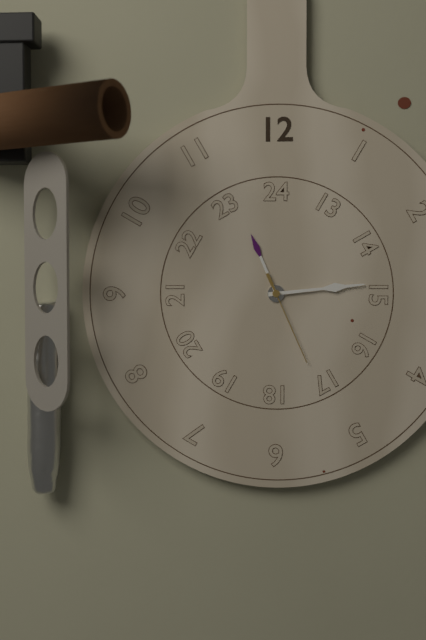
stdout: 11:14:26
